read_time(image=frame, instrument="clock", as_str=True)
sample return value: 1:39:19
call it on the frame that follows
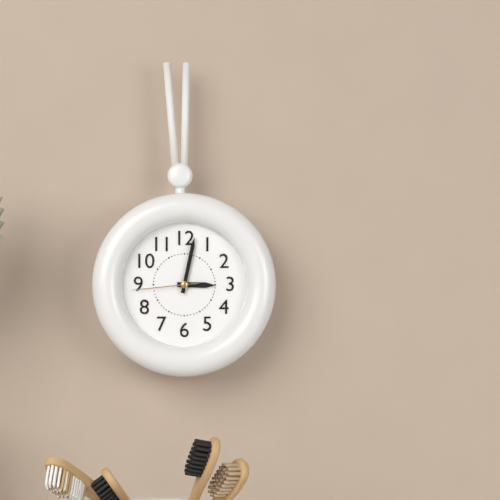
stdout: 3:02:44
